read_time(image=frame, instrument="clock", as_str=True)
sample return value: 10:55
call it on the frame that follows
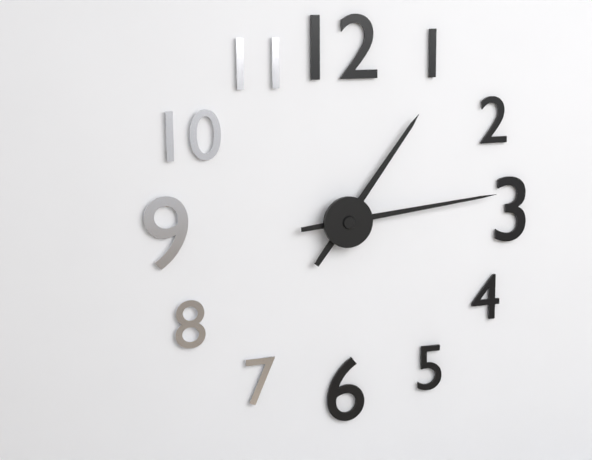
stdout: 1:14
